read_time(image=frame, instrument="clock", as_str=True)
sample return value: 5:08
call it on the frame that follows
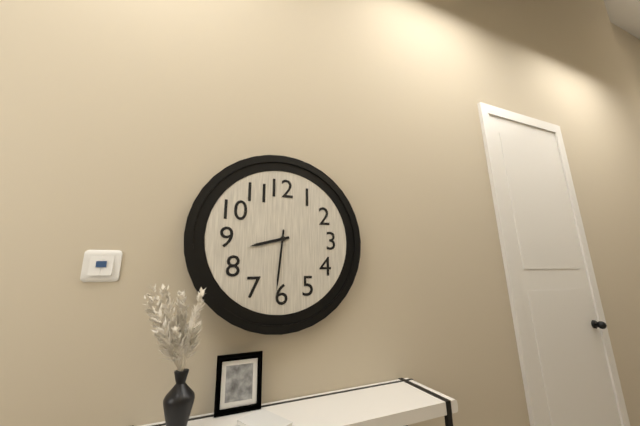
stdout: 8:31
